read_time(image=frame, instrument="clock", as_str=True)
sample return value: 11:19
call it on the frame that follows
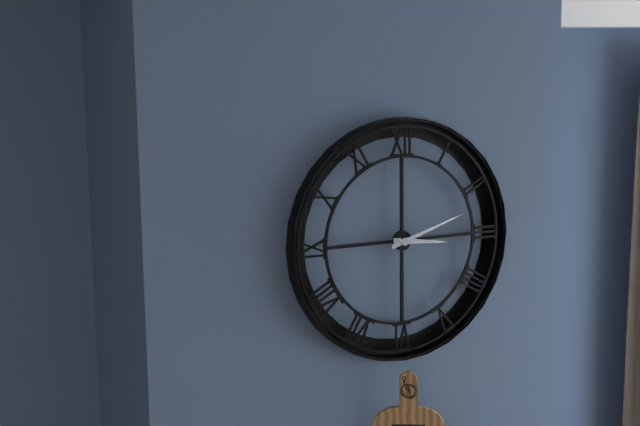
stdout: 3:12
